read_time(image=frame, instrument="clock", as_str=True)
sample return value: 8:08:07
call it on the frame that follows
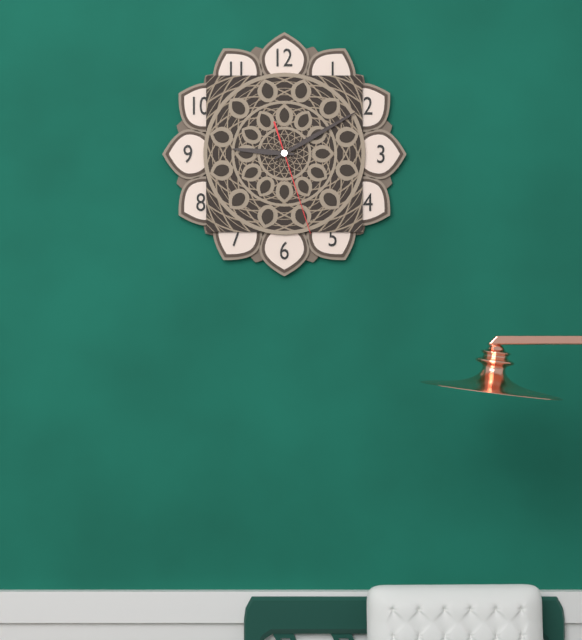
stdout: 9:10:27
